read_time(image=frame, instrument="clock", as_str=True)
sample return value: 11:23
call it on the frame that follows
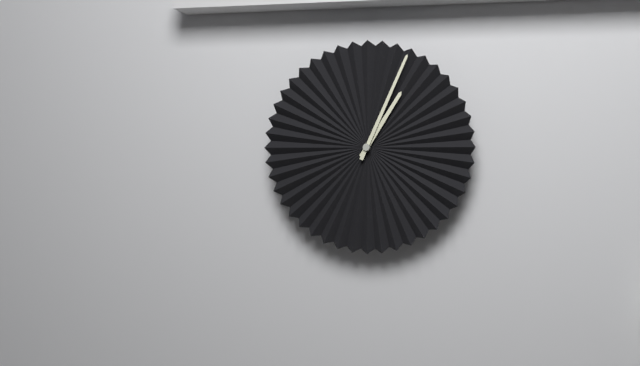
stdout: 1:04
